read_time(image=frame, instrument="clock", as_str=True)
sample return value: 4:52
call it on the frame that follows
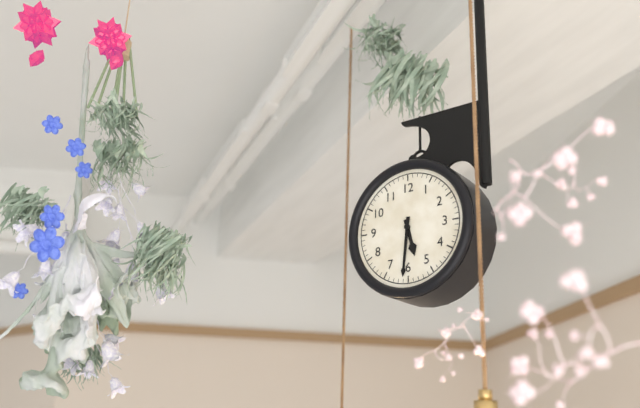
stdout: 5:31
